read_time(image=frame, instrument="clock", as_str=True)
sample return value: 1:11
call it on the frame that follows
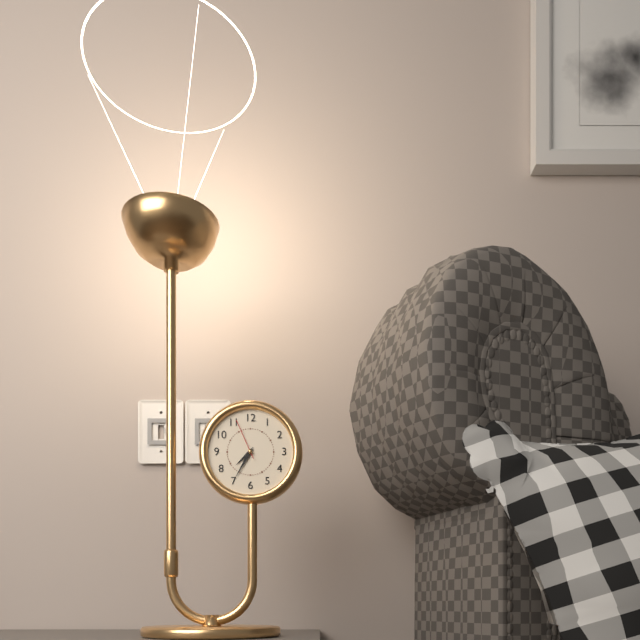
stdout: 7:35
